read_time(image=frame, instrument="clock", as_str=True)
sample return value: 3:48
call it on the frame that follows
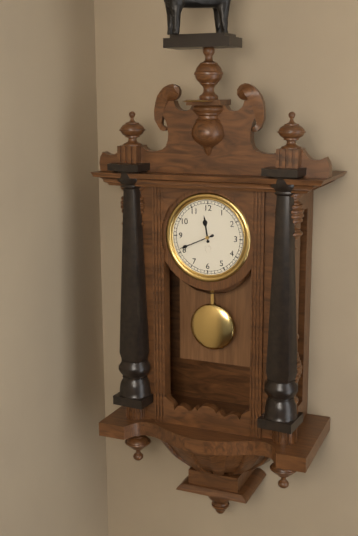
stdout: 11:41
